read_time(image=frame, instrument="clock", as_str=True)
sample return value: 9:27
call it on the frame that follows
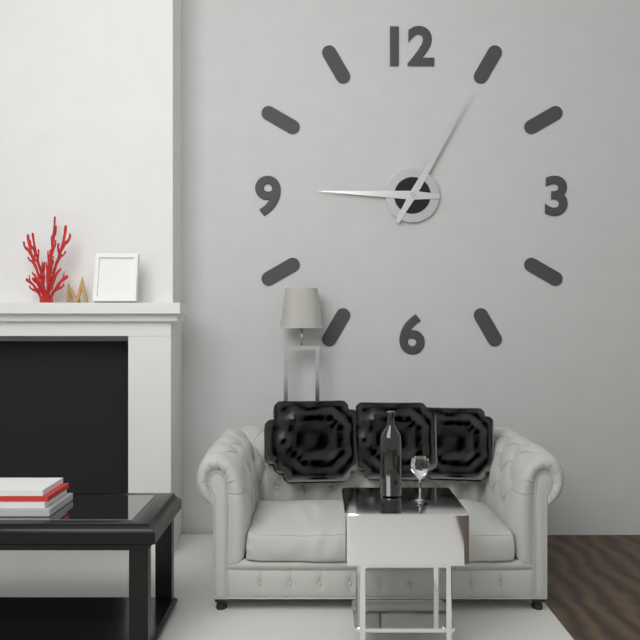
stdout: 9:05
